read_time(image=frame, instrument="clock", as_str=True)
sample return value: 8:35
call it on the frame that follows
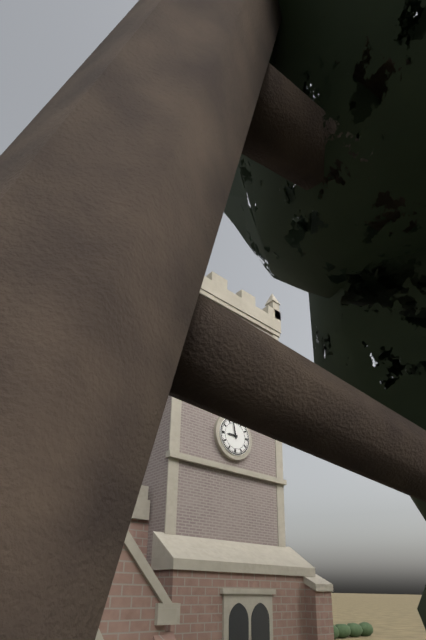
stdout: 8:58
